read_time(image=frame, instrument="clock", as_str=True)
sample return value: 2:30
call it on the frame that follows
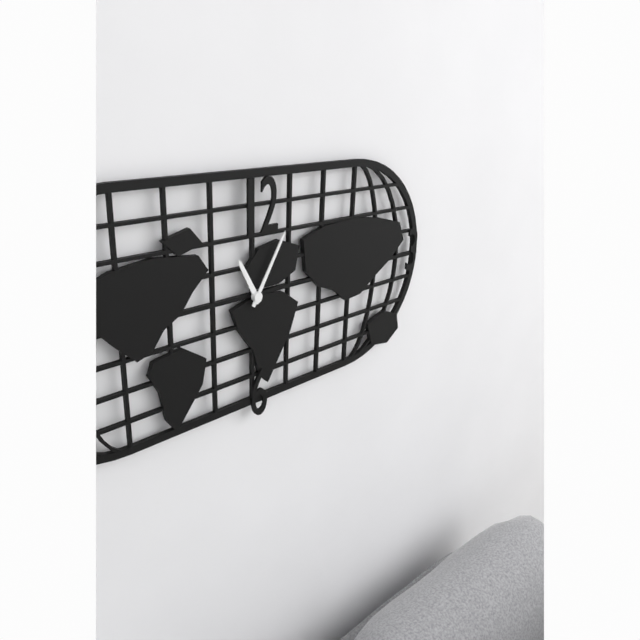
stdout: 11:05
